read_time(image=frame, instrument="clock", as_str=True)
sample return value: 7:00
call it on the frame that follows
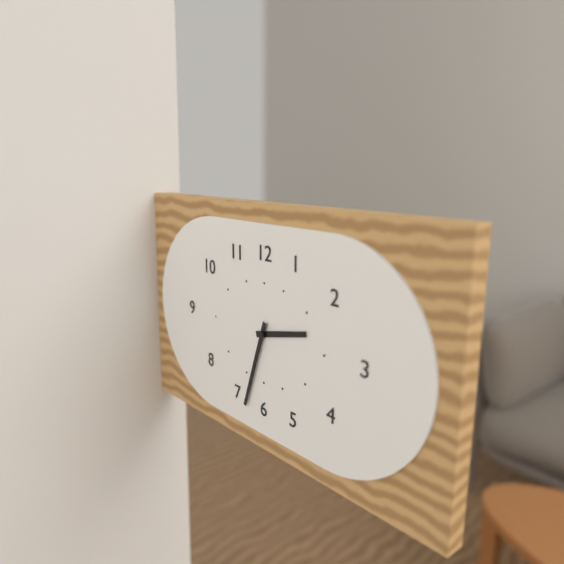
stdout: 2:33
